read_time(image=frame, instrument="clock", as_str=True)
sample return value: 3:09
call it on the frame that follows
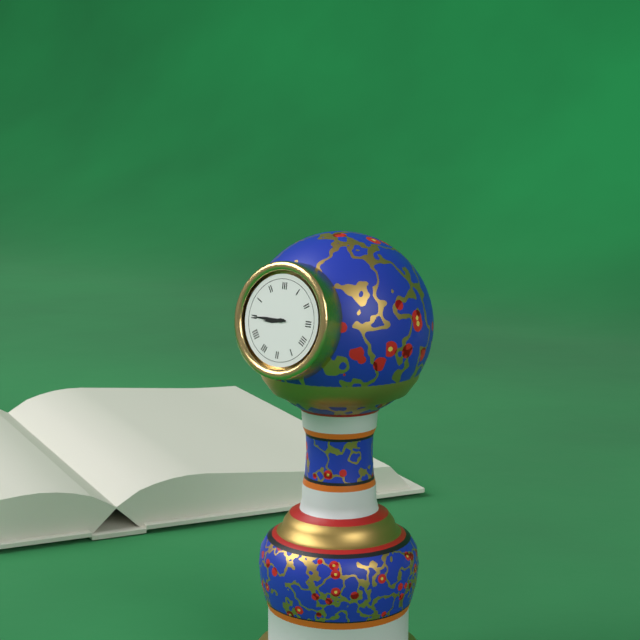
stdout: 8:45
